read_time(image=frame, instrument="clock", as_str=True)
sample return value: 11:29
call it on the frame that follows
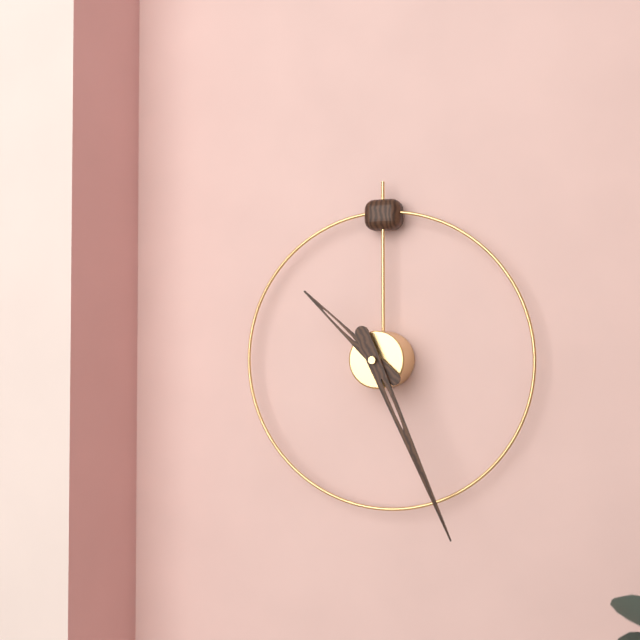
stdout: 10:26
